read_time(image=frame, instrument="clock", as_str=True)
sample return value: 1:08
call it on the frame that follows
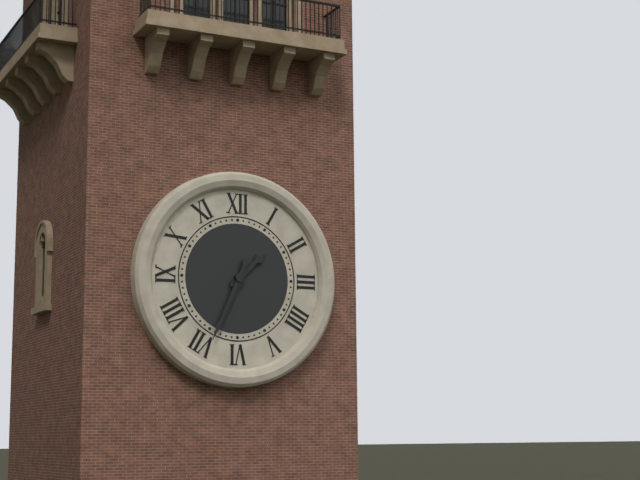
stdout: 1:34
